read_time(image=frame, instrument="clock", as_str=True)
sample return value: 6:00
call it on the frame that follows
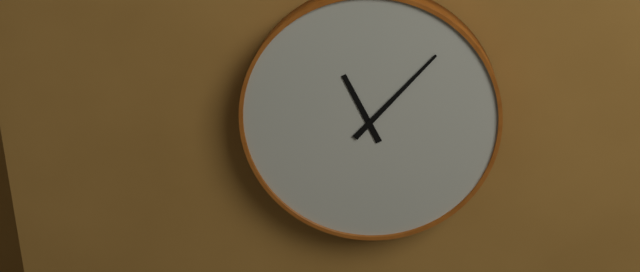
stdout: 11:07
